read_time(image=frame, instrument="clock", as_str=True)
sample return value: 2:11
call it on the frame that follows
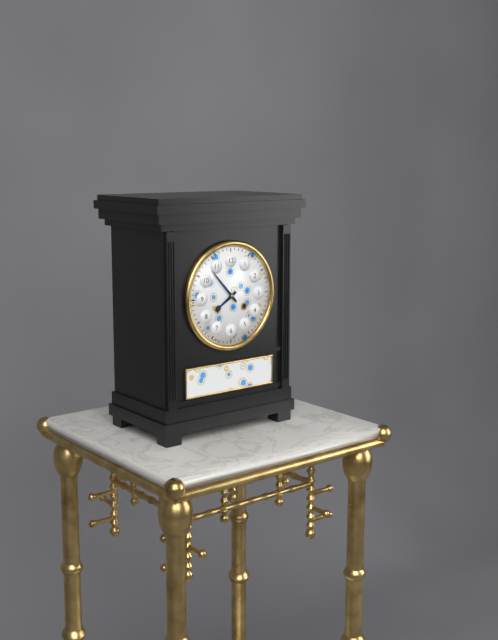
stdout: 7:53
